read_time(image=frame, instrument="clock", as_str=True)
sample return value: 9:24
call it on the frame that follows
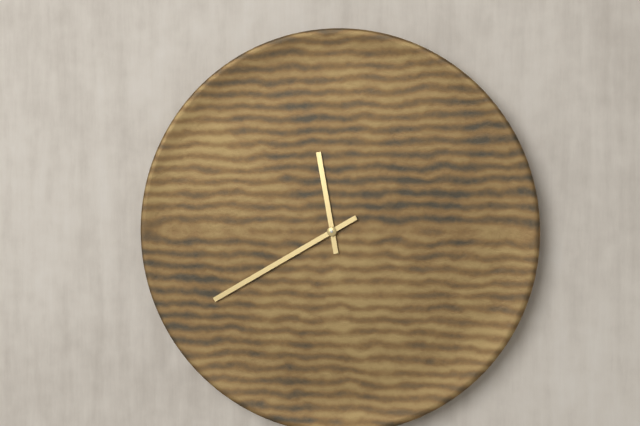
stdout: 11:40
